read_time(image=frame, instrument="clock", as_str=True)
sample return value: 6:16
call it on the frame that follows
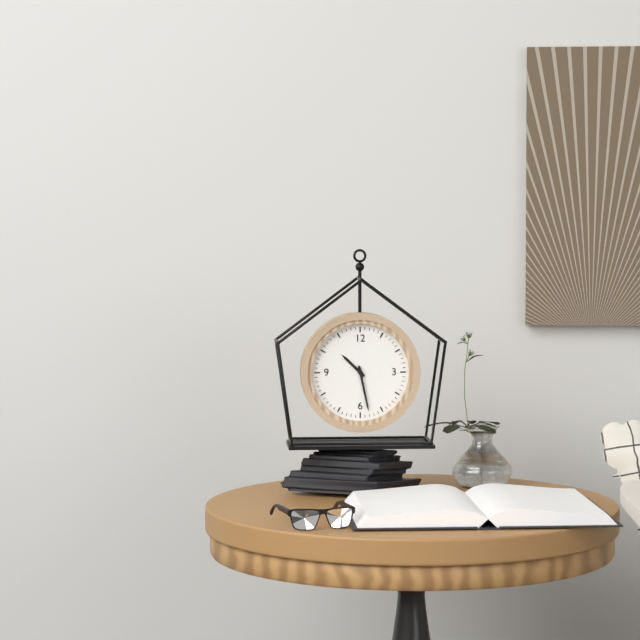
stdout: 10:28
